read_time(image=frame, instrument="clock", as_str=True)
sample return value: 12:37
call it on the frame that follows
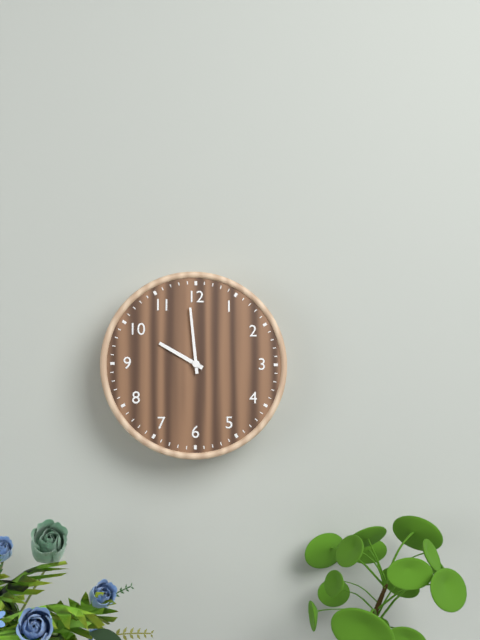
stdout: 9:59
